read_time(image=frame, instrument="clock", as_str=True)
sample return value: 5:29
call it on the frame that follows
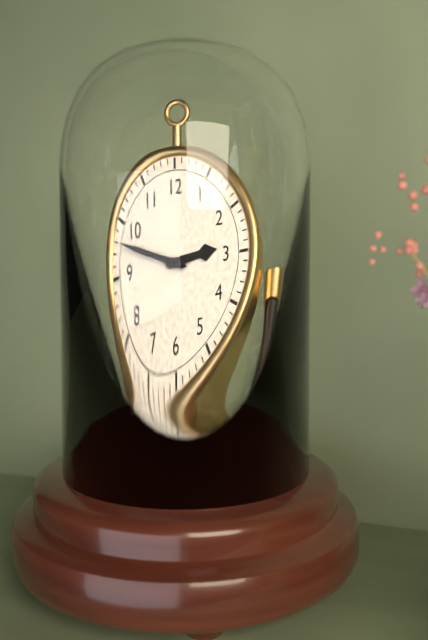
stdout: 2:48
